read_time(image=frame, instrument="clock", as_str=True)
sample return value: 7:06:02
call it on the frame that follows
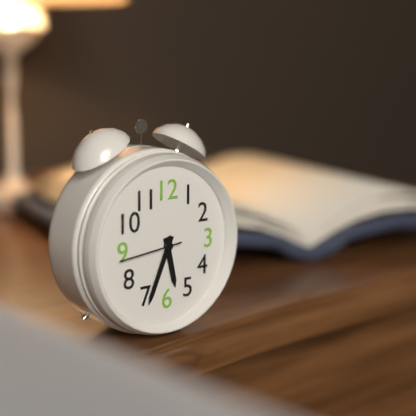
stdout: 5:34:44
